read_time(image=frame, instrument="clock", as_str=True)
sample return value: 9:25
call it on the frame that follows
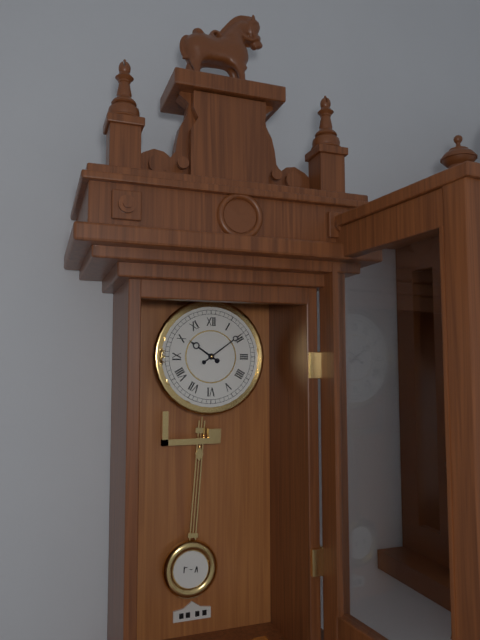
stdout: 10:09
